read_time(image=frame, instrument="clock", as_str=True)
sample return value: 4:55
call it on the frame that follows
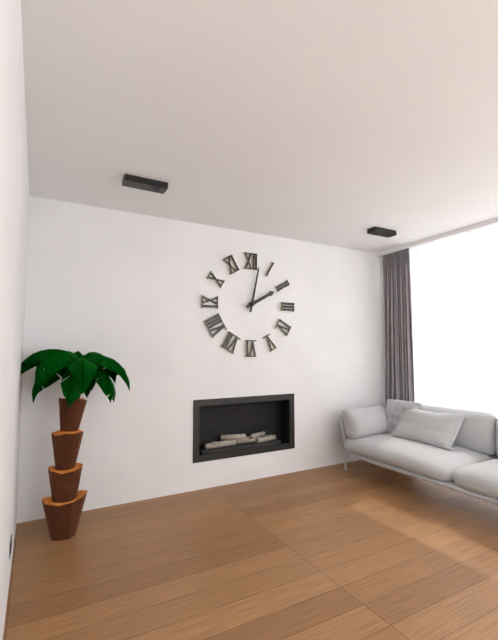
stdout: 2:02
